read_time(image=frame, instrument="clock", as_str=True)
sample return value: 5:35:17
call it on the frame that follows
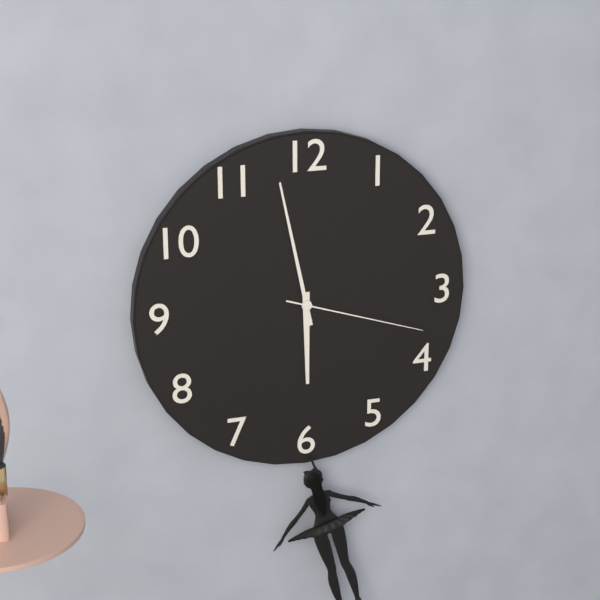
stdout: 5:58:18
